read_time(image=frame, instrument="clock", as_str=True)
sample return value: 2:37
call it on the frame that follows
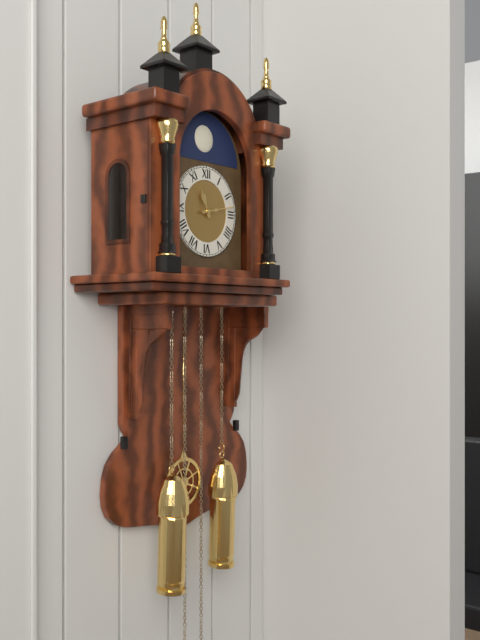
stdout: 11:13
